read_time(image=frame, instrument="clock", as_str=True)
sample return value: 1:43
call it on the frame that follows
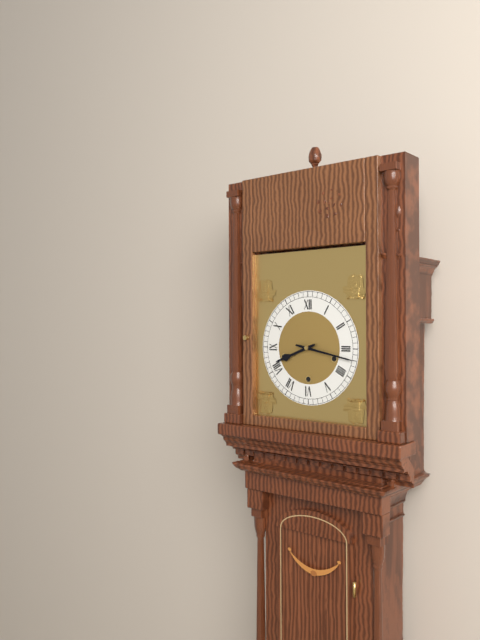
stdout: 8:17
